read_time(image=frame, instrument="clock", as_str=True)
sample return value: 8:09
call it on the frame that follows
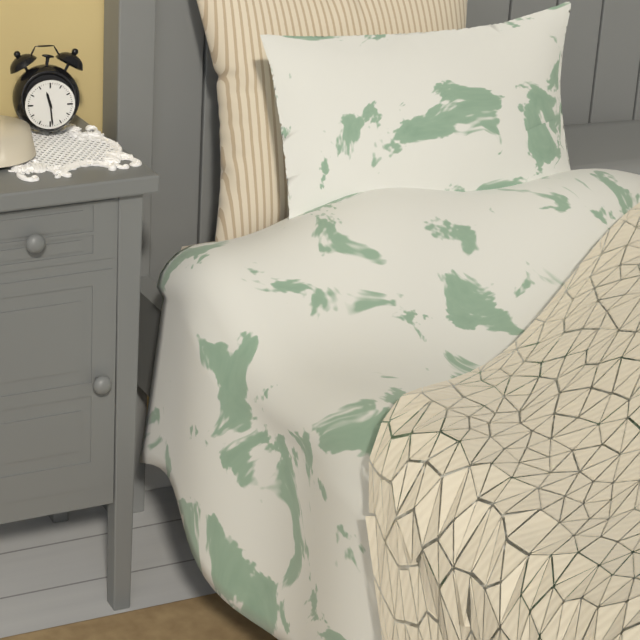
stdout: 11:29
